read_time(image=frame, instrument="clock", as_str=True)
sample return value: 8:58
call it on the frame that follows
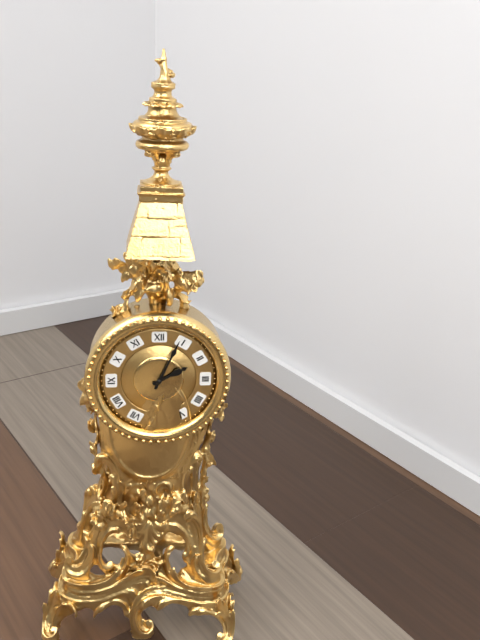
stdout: 2:04
